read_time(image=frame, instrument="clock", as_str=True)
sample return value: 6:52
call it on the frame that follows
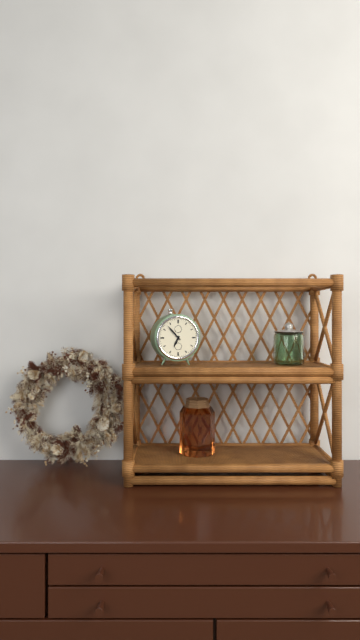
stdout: 6:53
